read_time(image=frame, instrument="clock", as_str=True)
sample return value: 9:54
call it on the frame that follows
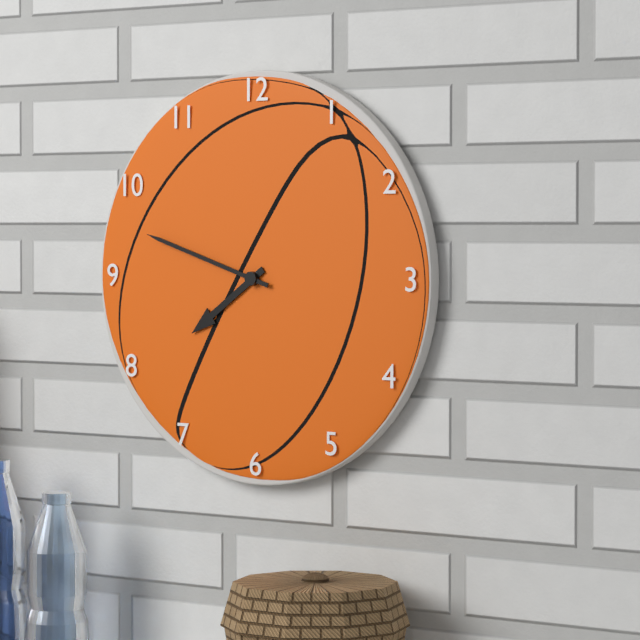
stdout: 7:48
